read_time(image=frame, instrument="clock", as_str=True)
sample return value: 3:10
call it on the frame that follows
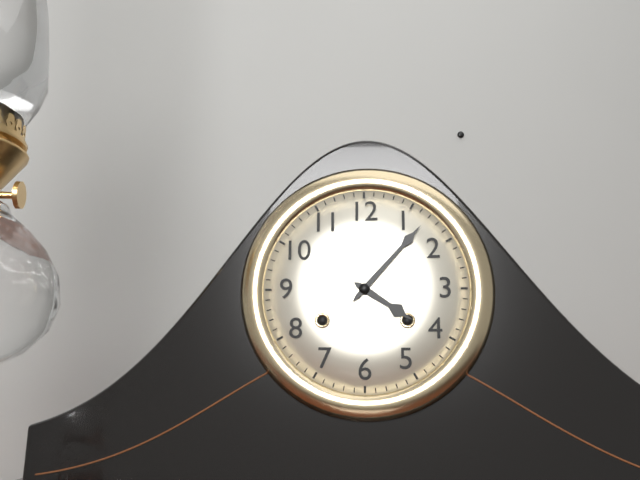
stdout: 4:07
